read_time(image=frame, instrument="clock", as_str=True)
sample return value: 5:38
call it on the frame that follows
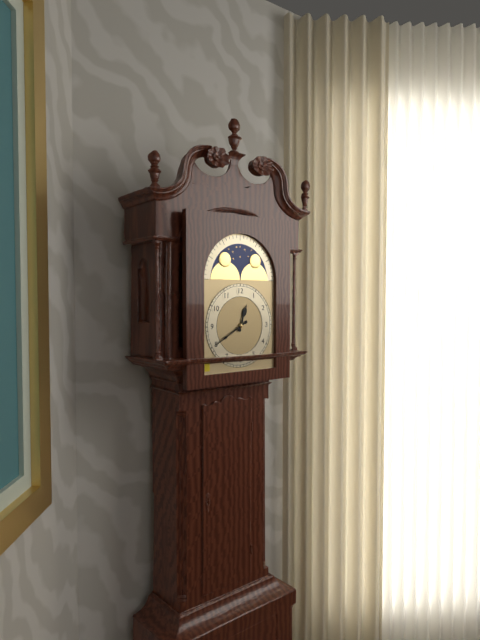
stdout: 12:40
